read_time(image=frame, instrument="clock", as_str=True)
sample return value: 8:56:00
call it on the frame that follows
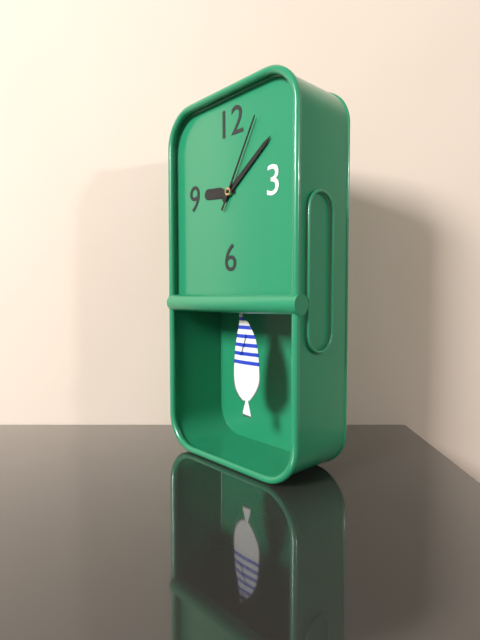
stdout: 9:09:05
